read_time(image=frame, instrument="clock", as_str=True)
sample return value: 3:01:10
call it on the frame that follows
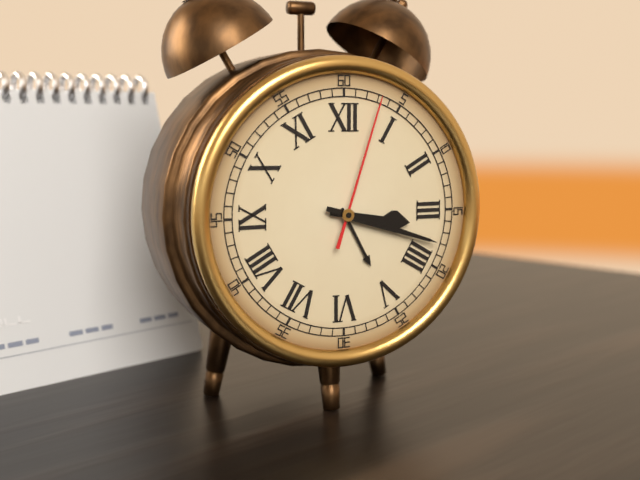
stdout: 3:18:03
